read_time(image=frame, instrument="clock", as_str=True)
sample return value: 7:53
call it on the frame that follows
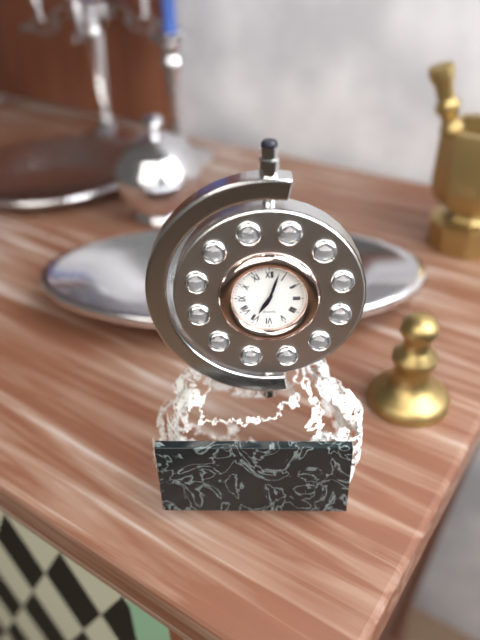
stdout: 7:03
